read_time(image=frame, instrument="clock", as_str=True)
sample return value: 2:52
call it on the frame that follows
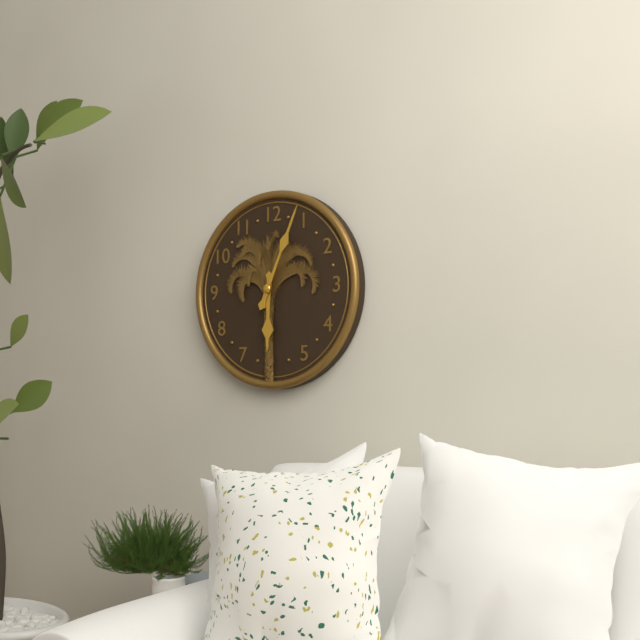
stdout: 6:04
